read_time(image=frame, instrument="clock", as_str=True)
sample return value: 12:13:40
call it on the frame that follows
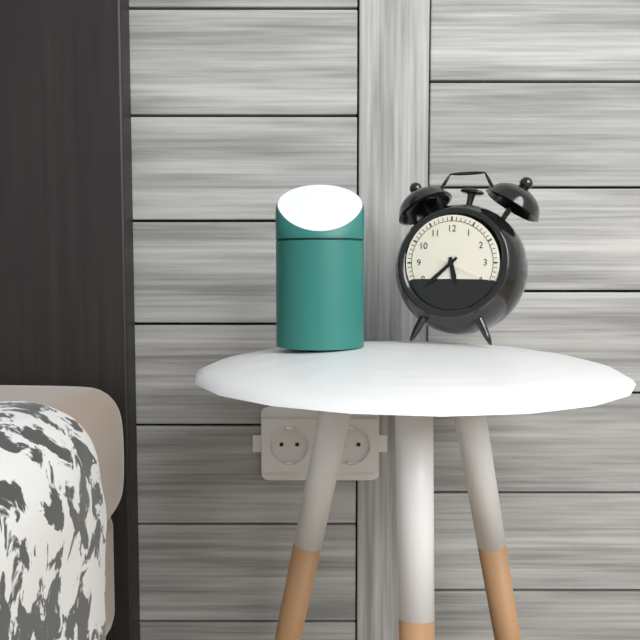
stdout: 5:38:19
